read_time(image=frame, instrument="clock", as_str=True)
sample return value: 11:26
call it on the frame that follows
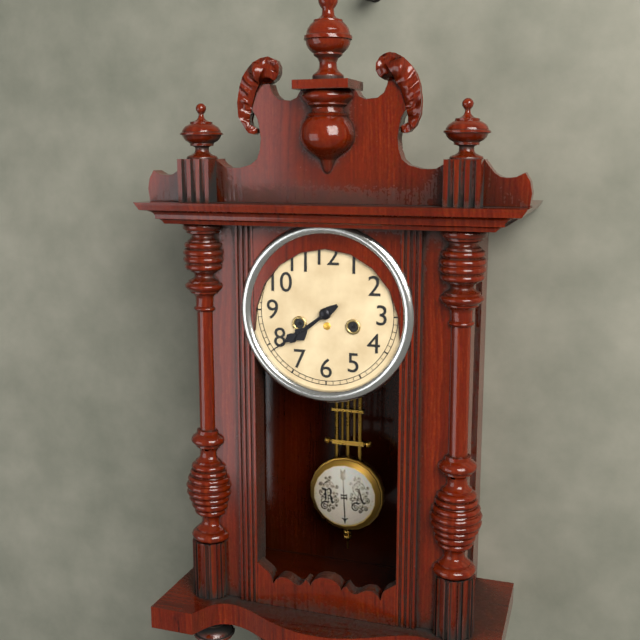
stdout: 7:39
